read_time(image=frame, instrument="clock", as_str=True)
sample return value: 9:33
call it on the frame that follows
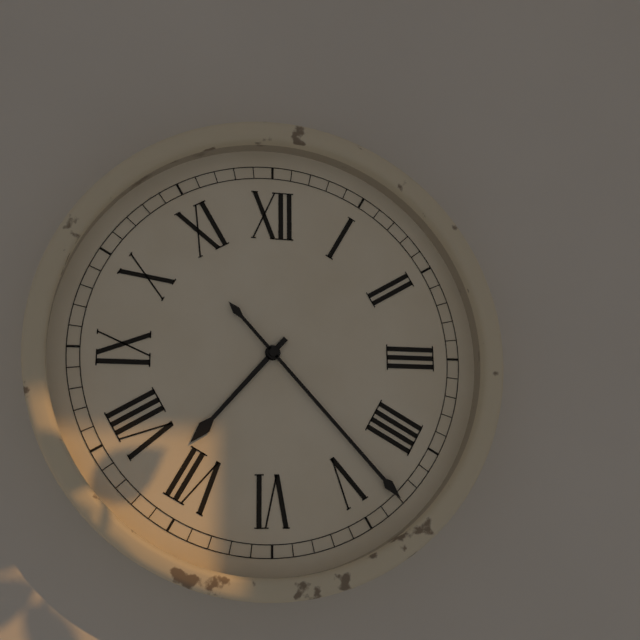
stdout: 7:23
